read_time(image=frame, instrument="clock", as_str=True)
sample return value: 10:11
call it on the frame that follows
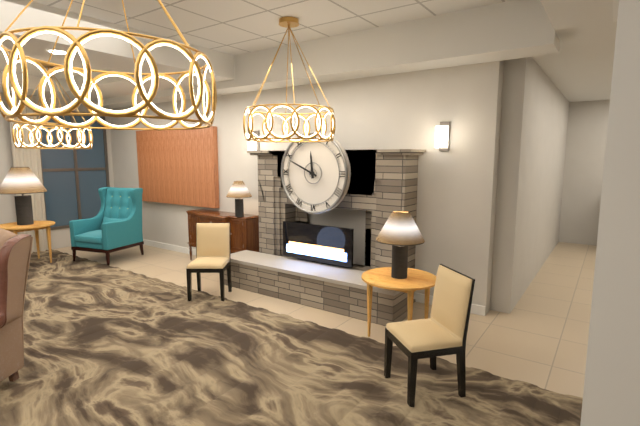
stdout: 11:49
